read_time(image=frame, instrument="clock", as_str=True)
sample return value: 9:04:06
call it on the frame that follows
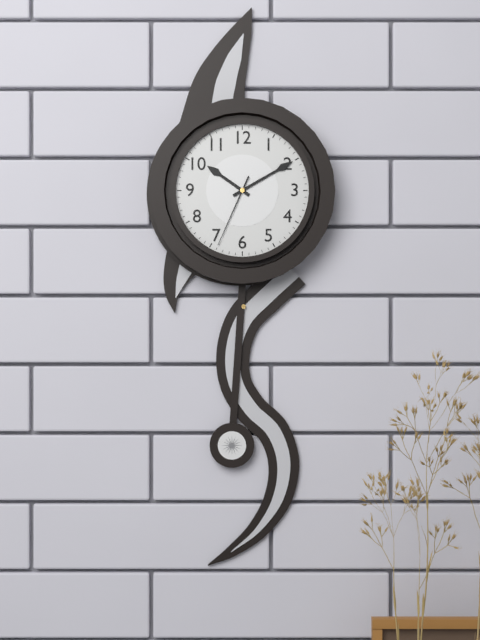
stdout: 10:10:34
